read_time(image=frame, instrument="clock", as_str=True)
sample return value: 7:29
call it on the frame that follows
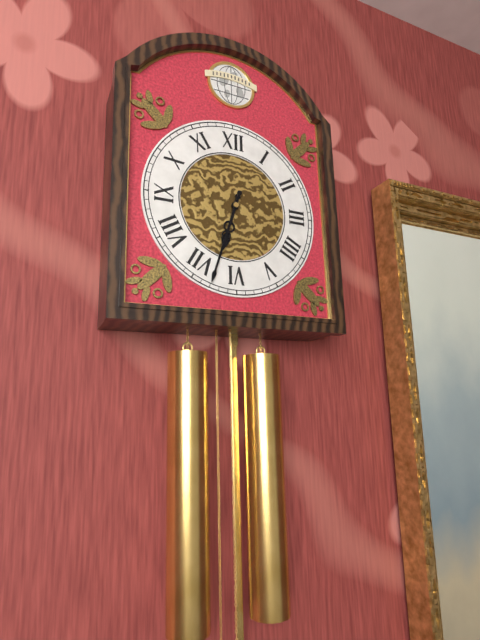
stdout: 6:33
